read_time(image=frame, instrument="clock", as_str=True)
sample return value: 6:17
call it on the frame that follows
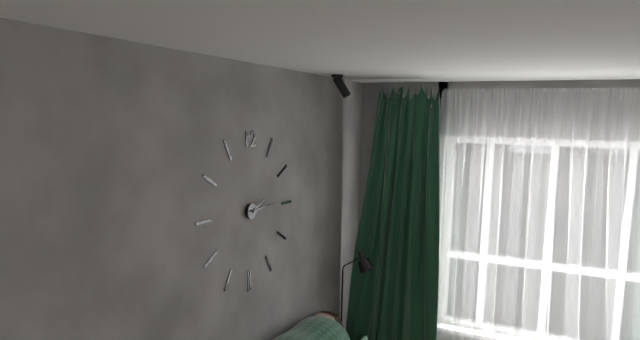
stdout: 2:14
